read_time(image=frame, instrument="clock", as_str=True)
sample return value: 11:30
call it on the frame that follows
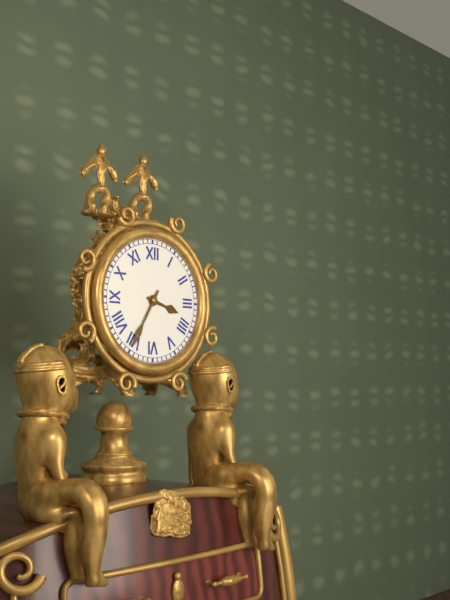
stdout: 3:35
